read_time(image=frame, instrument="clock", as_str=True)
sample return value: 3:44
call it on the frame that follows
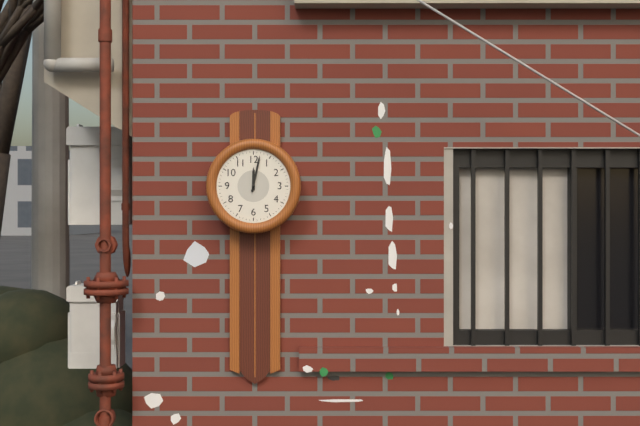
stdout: 12:02
